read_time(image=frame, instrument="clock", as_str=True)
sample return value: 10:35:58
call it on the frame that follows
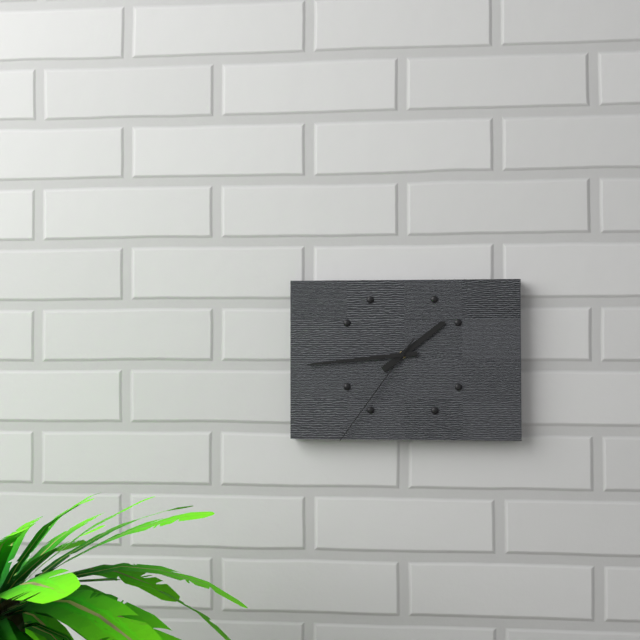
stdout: 1:44:36
